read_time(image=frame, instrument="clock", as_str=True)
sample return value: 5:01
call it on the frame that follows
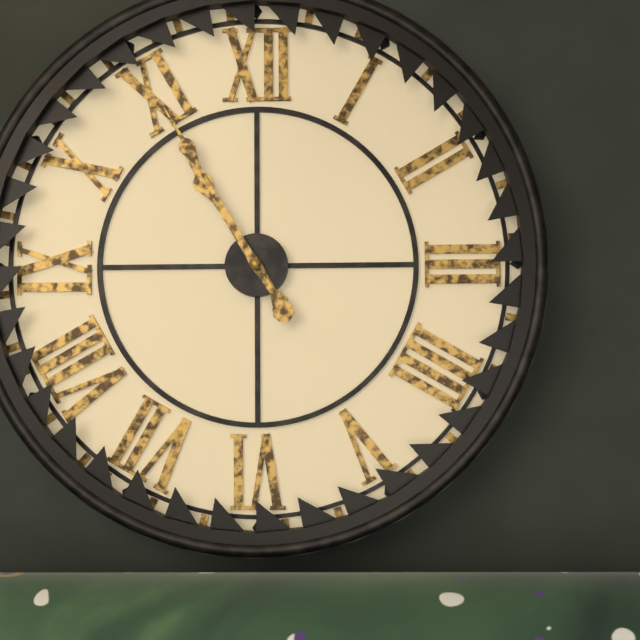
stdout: 10:55
